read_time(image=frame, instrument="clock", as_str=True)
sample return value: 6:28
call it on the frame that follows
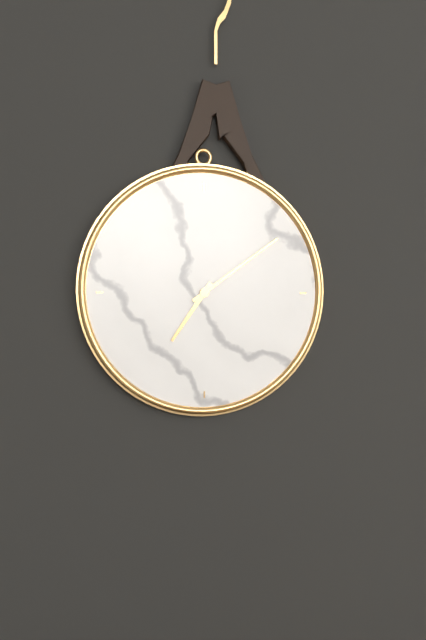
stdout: 7:09
